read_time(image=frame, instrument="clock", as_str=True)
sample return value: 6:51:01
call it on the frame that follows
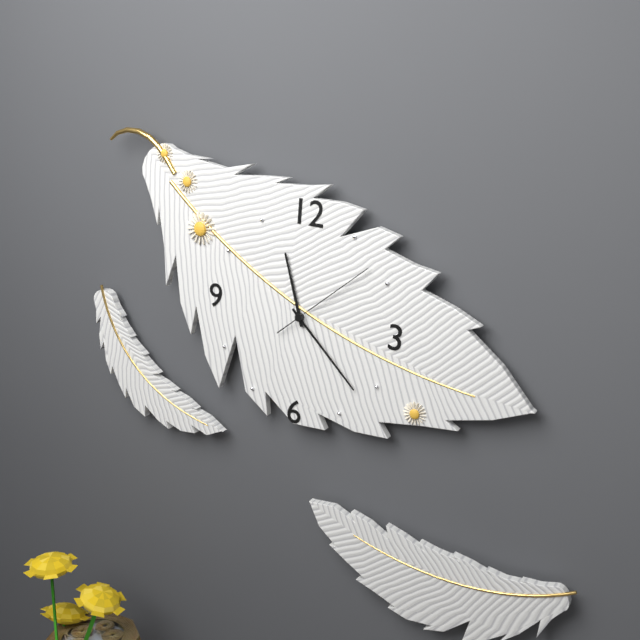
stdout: 11:22:08
